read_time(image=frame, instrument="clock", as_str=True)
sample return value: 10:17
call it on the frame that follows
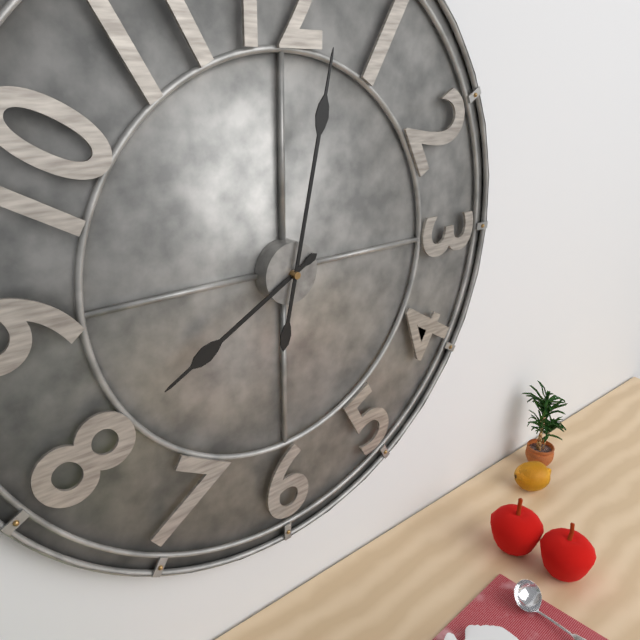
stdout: 8:02
